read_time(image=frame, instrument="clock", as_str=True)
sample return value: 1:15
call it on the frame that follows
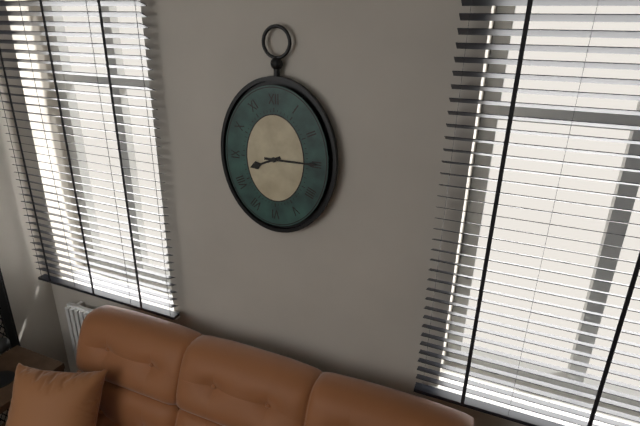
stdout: 8:15
